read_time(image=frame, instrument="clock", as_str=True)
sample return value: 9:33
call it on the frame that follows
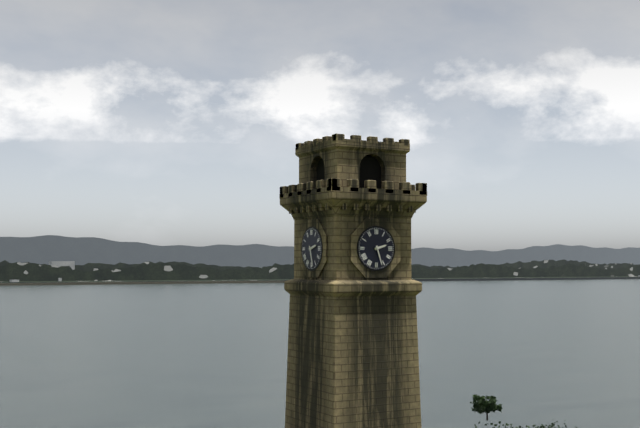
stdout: 2:27
